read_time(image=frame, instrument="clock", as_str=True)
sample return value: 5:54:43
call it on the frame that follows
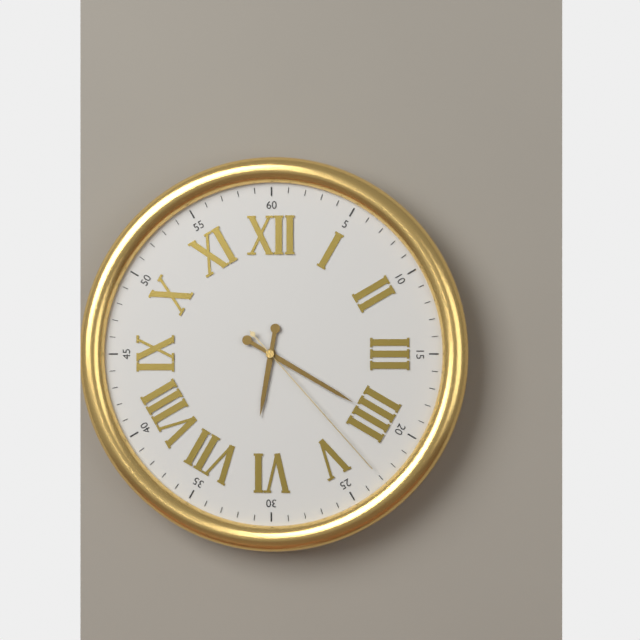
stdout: 6:20:23
